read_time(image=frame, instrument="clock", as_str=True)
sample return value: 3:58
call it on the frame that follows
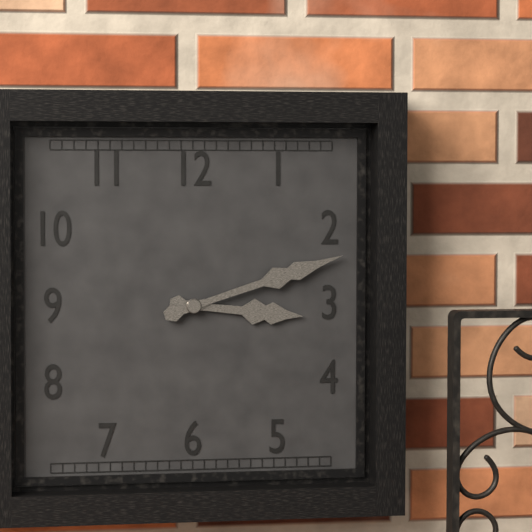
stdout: 3:12
